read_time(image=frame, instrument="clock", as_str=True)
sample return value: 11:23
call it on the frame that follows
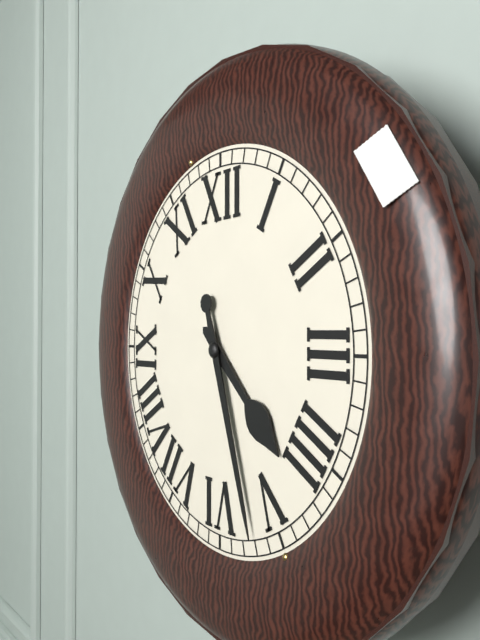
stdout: 4:27
